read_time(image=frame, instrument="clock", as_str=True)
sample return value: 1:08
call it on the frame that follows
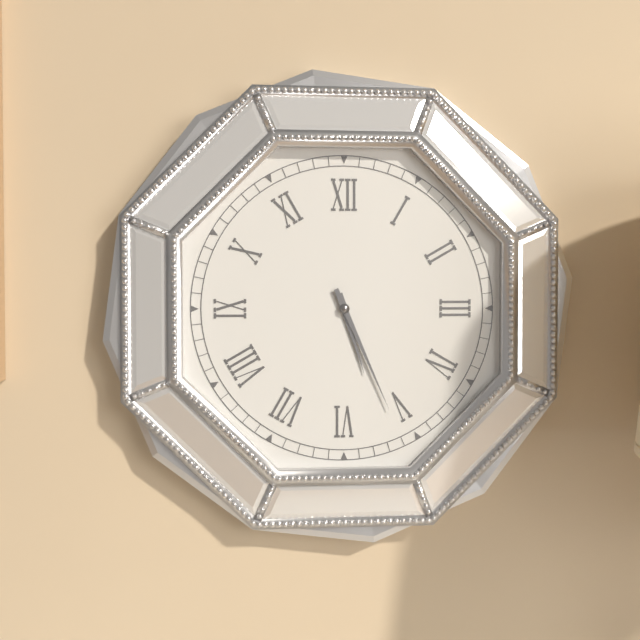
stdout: 5:26
